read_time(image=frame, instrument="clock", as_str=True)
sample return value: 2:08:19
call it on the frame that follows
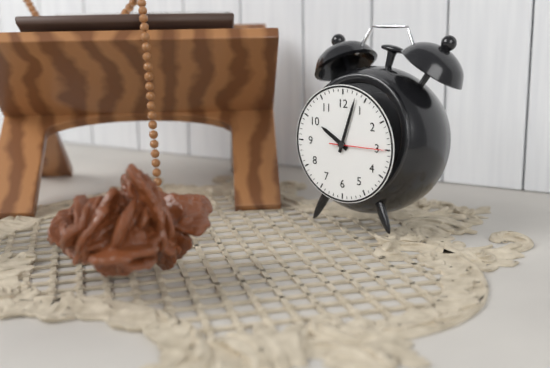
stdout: 10:03:15
